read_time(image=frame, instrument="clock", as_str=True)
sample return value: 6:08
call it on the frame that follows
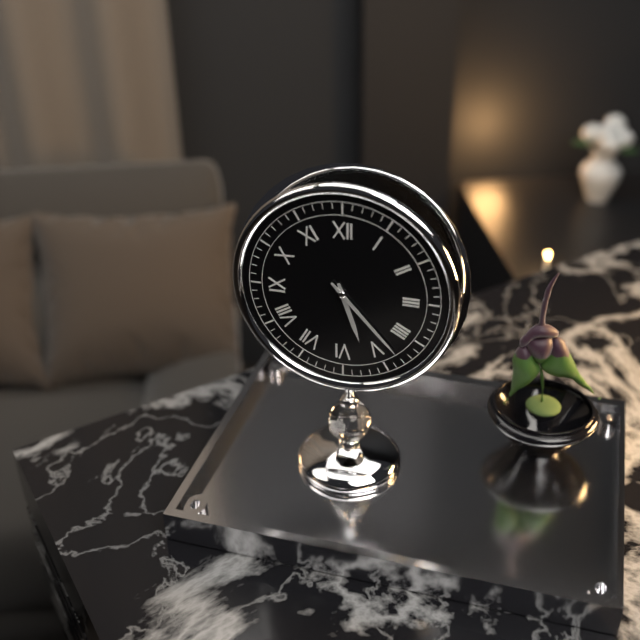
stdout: 5:23
